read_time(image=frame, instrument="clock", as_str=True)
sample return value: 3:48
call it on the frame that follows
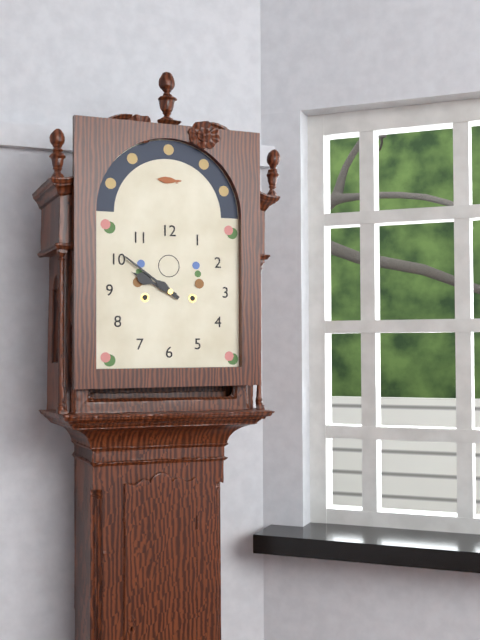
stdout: 9:51
